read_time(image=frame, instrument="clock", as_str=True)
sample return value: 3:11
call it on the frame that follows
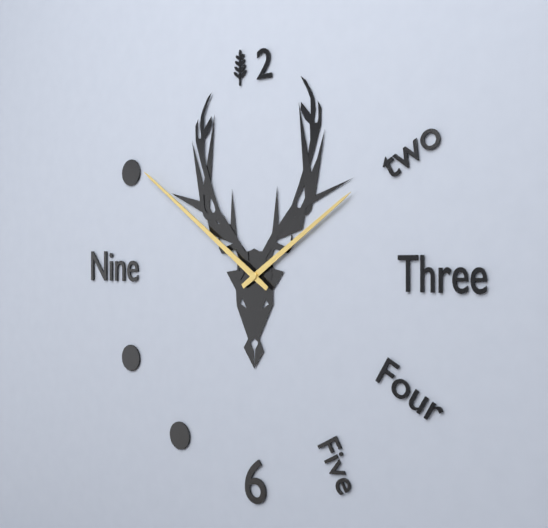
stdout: 1:51
